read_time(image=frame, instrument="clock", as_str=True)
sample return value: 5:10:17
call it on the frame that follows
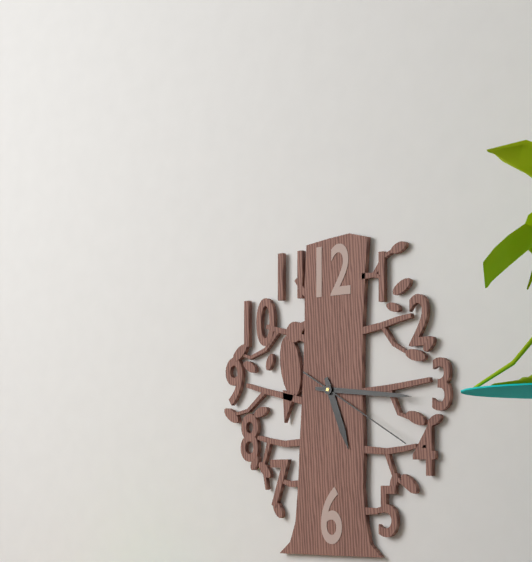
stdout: 5:16:20
